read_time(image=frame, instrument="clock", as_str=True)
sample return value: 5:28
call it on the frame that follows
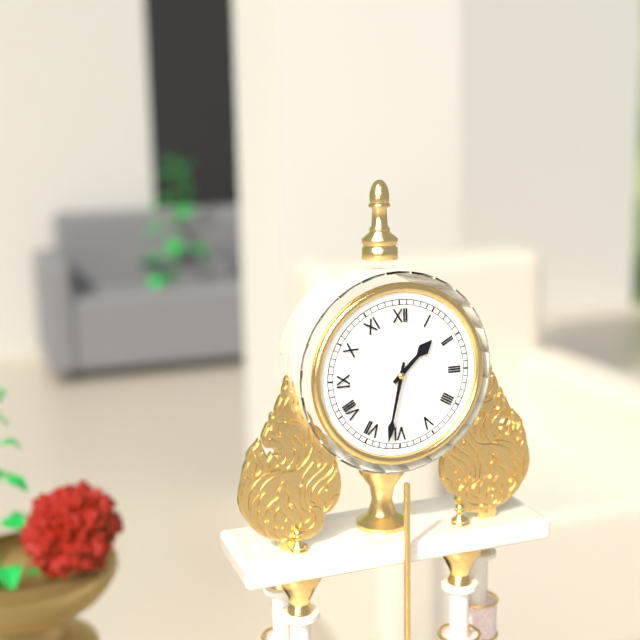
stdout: 1:32
